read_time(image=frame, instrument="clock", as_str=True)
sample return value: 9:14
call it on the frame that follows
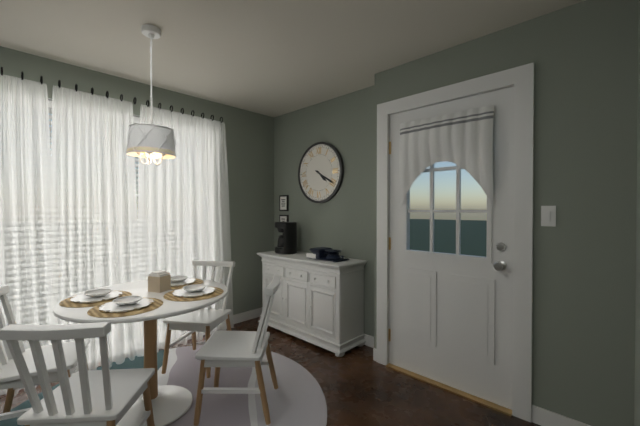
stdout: 4:20
